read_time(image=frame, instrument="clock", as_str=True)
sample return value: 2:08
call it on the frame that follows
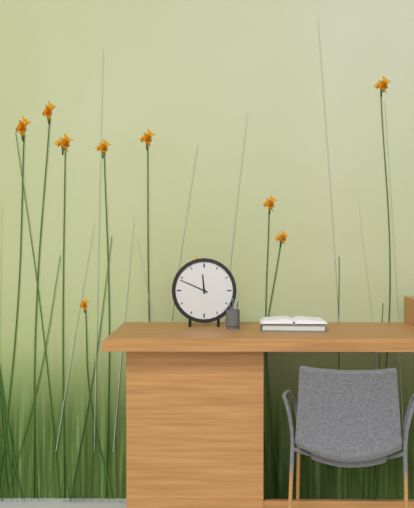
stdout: 11:49
